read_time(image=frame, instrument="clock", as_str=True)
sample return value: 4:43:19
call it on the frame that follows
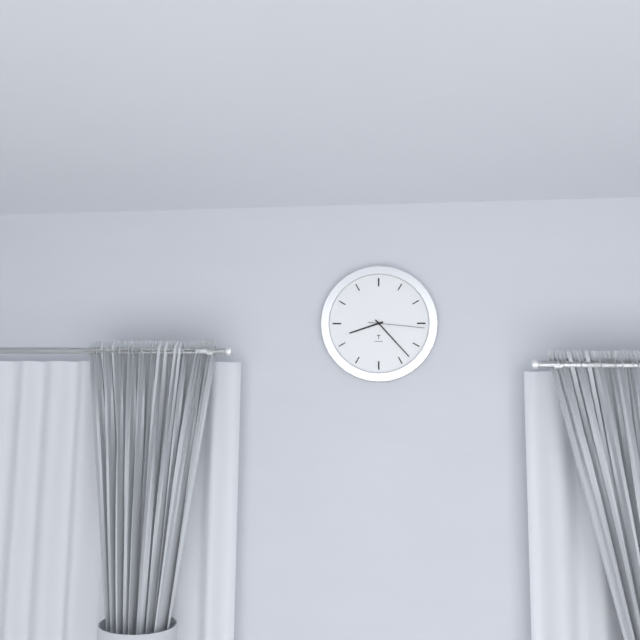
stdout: 8:23:16
